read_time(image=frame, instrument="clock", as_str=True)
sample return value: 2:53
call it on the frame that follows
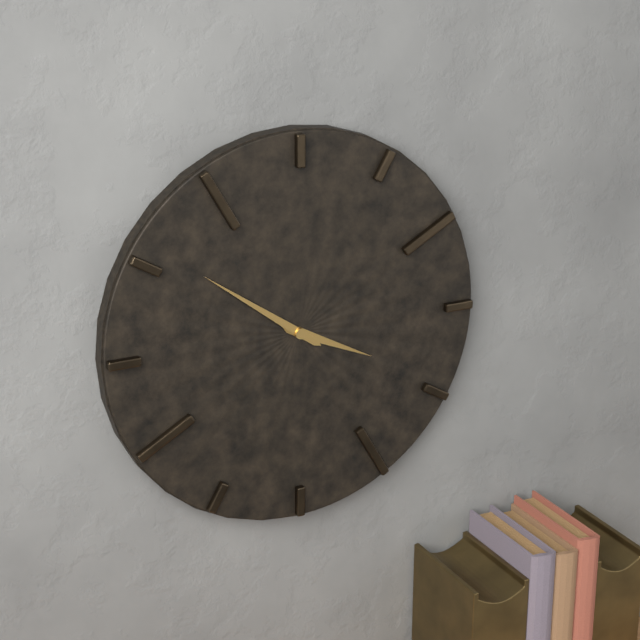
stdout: 3:51
